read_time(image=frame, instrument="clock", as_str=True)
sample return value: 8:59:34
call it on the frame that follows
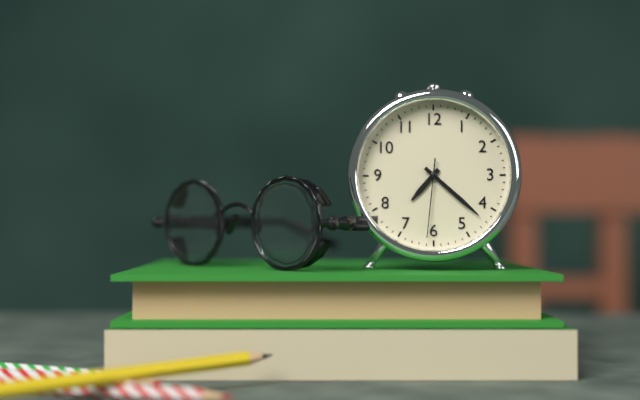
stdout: 7:22:31
